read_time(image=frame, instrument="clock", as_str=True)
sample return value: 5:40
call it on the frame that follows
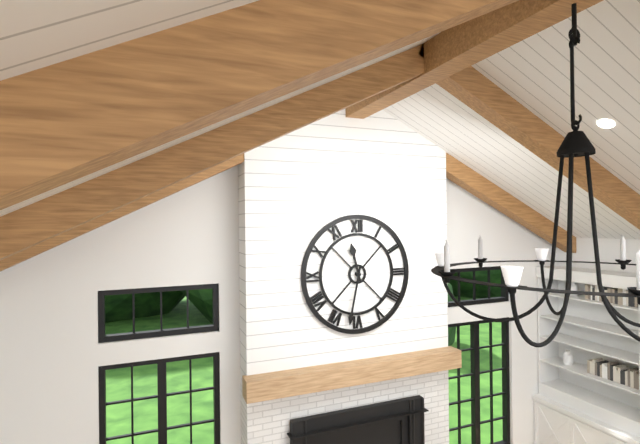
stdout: 11:32
